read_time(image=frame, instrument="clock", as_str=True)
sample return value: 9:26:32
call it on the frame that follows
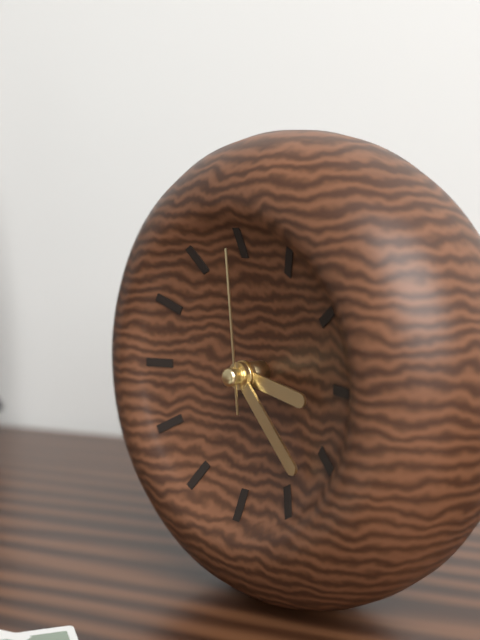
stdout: 3:23:59
